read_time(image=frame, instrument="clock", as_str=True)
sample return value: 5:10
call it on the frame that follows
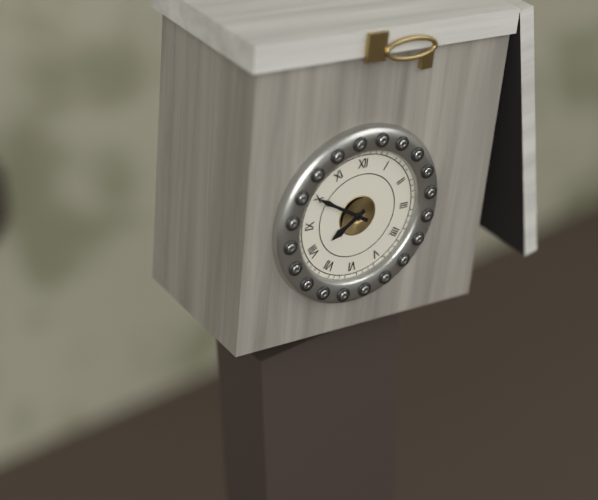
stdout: 7:50
